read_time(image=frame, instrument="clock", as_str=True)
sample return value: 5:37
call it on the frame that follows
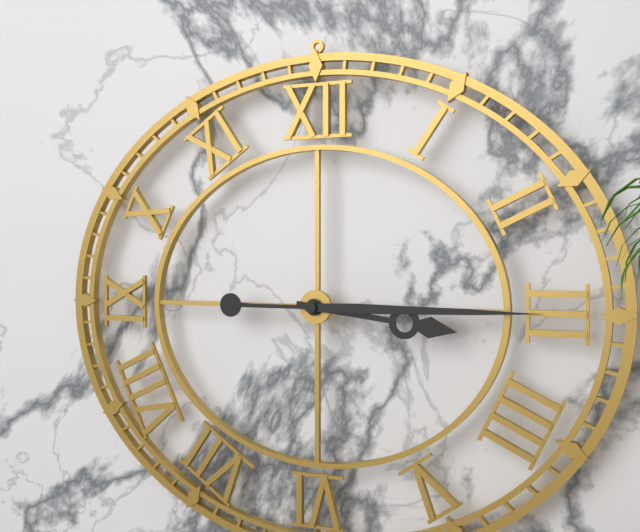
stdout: 3:15
